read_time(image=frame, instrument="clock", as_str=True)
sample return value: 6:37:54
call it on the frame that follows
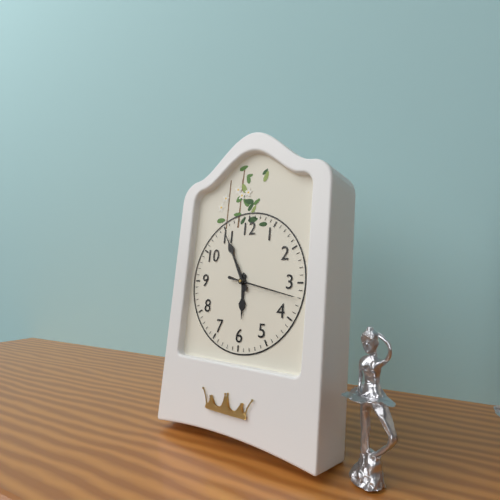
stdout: 5:55:17
